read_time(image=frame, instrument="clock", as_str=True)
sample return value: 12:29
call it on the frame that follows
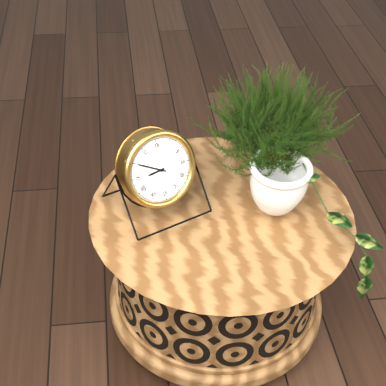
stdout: 8:50
